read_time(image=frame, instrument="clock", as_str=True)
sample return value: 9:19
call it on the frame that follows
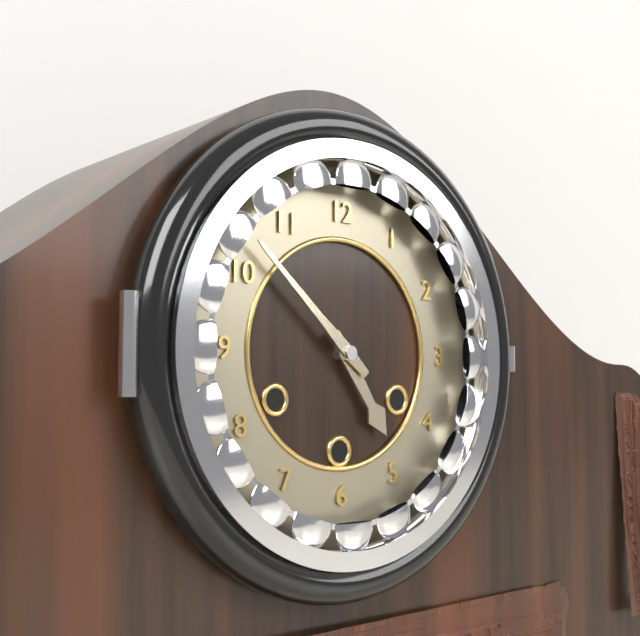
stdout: 4:52
